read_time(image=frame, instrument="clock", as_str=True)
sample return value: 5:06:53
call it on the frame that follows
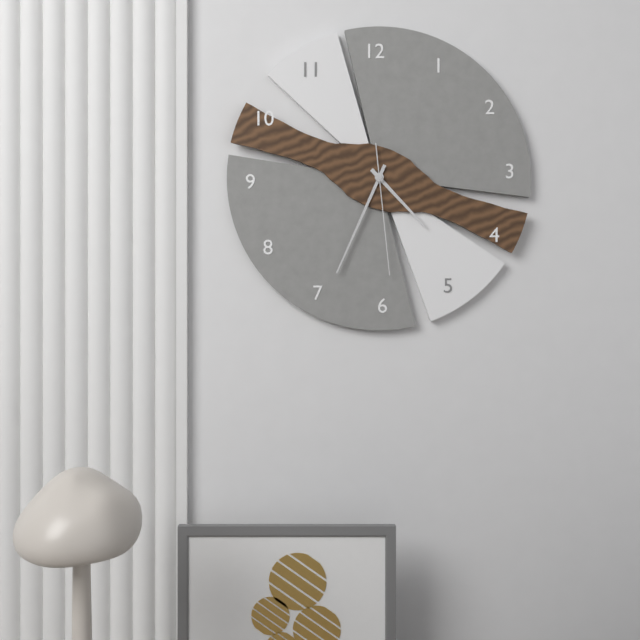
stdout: 4:34:29
